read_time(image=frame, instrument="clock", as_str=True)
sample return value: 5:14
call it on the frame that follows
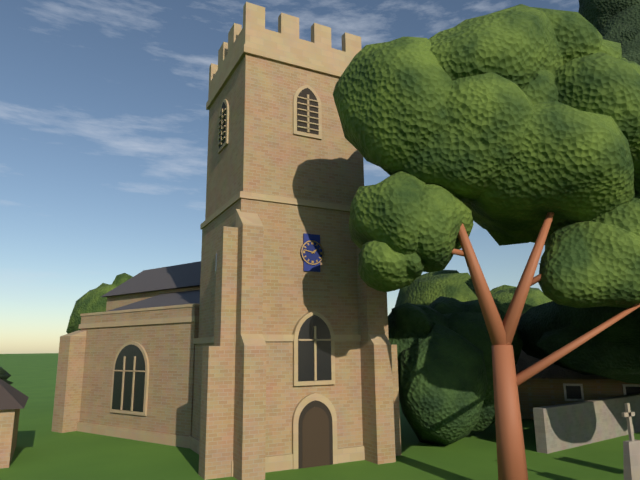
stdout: 1:47
